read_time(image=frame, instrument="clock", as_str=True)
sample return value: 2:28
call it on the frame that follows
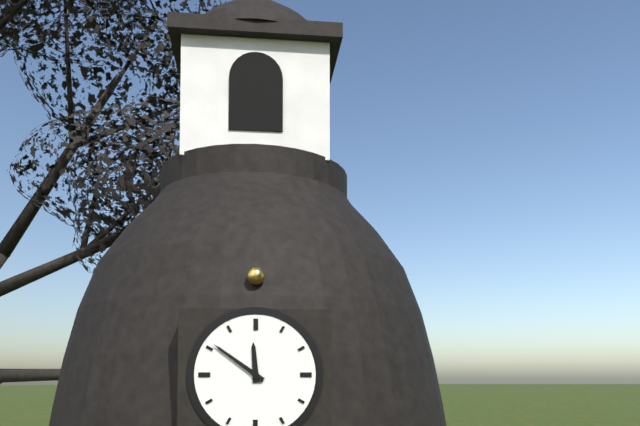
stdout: 11:51
